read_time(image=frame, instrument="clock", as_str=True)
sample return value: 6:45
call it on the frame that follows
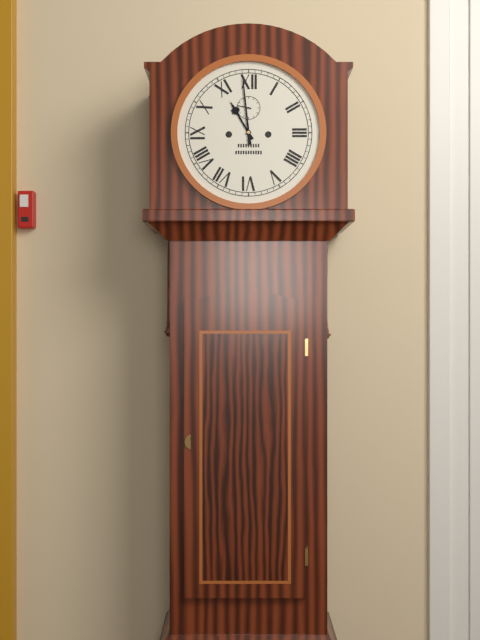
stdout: 10:59
